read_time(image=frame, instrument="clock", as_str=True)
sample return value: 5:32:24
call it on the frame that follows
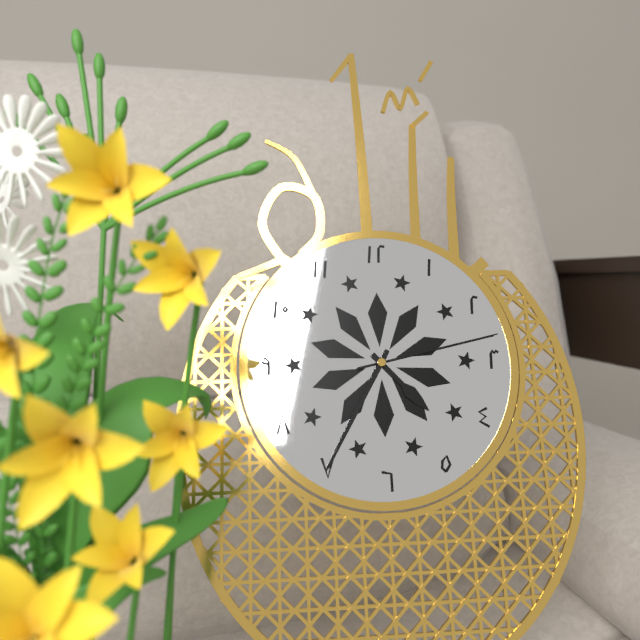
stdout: 4:35:13
